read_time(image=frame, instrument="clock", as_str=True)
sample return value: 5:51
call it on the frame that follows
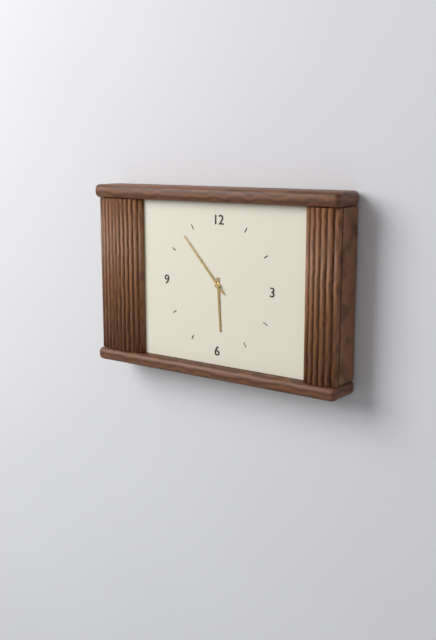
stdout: 5:53
